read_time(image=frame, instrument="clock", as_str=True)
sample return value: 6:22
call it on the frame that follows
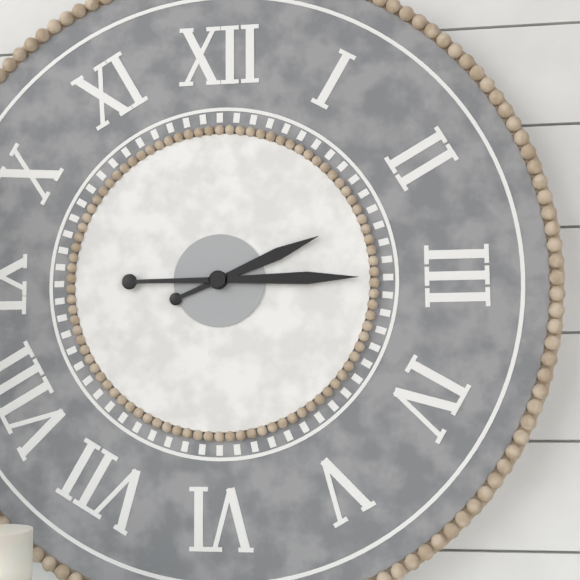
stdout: 2:15
